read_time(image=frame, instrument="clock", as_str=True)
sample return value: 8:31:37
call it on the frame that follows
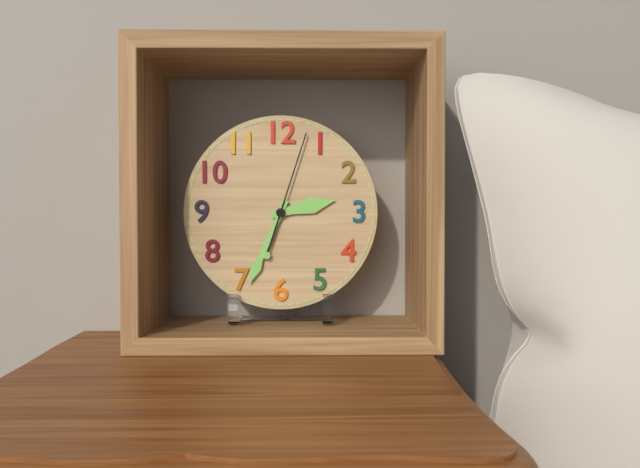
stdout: 2:34:03
